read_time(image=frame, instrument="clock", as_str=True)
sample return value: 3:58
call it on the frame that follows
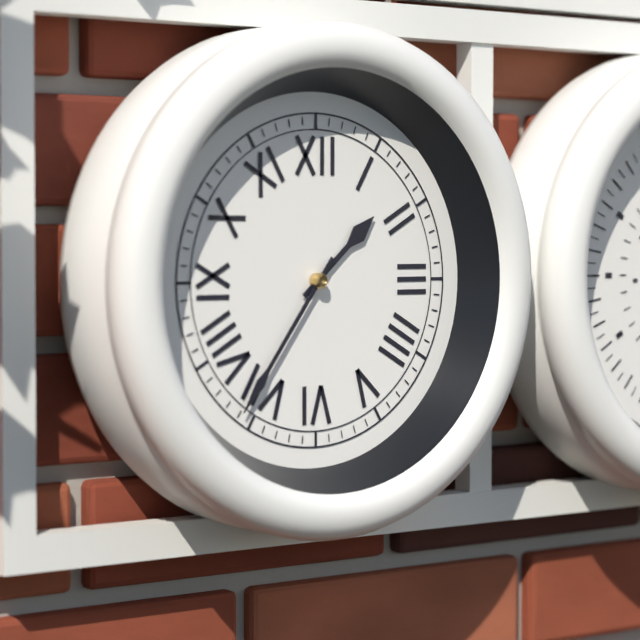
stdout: 1:36
